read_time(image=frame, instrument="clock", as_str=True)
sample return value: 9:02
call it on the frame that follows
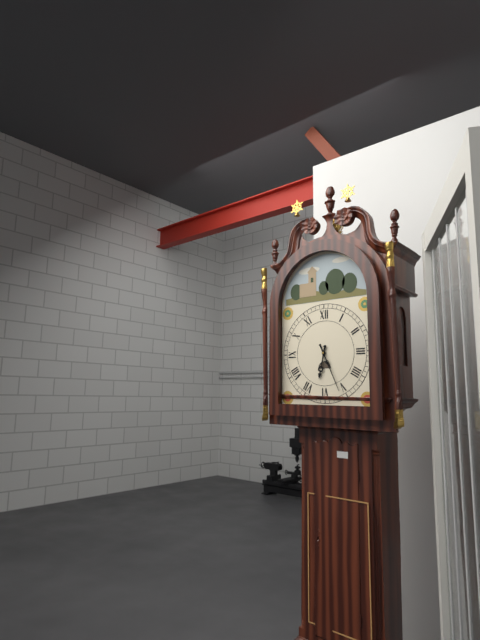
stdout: 6:26
